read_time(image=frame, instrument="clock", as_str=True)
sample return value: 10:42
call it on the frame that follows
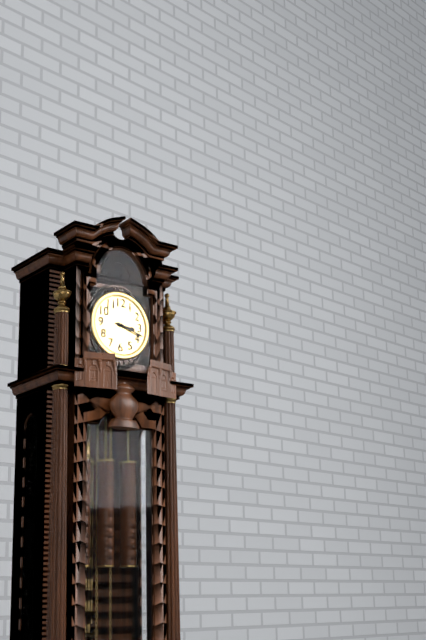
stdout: 3:18
